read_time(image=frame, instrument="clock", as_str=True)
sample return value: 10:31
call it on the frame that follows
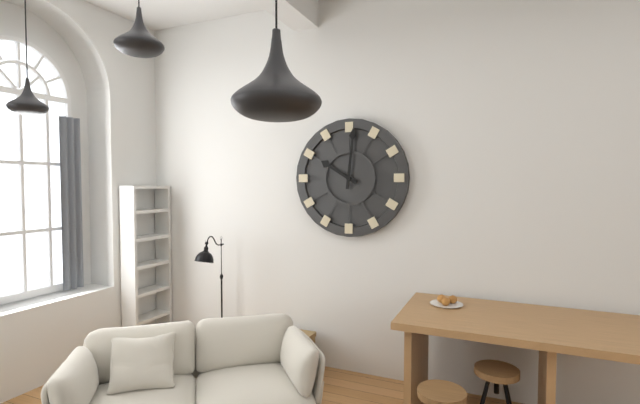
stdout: 10:01
